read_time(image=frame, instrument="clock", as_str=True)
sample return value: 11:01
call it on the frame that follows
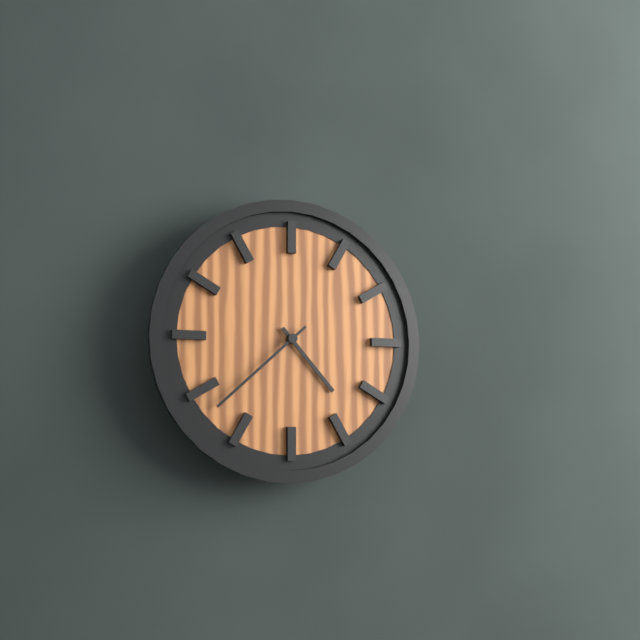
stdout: 4:38
